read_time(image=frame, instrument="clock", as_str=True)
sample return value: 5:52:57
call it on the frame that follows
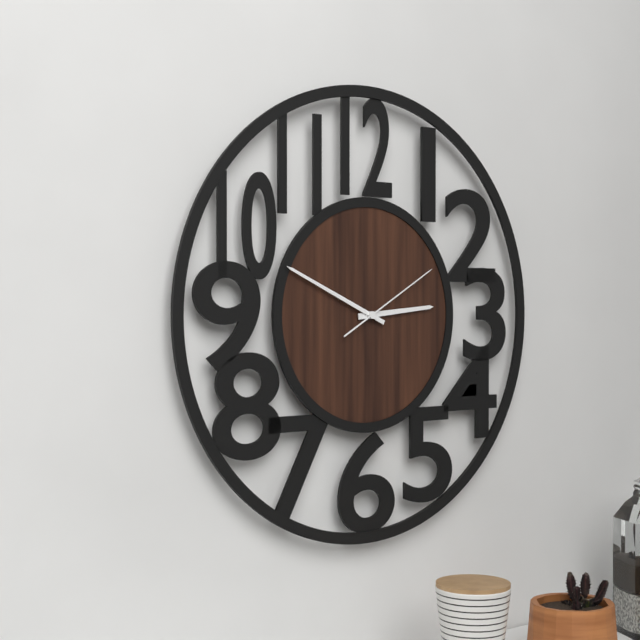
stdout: 2:49:10
